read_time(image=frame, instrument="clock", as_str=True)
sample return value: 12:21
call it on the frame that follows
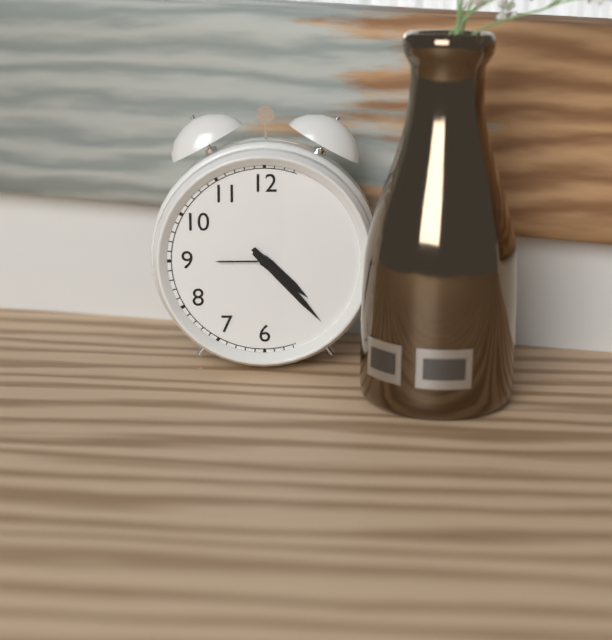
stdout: 4:23
